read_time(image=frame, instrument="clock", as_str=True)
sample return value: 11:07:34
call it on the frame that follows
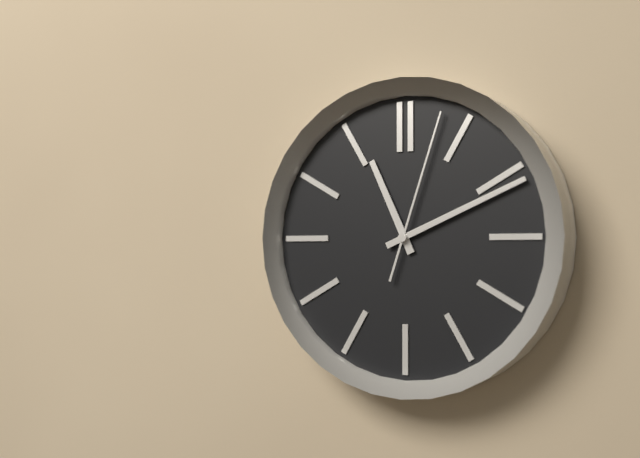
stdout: 11:11:03
